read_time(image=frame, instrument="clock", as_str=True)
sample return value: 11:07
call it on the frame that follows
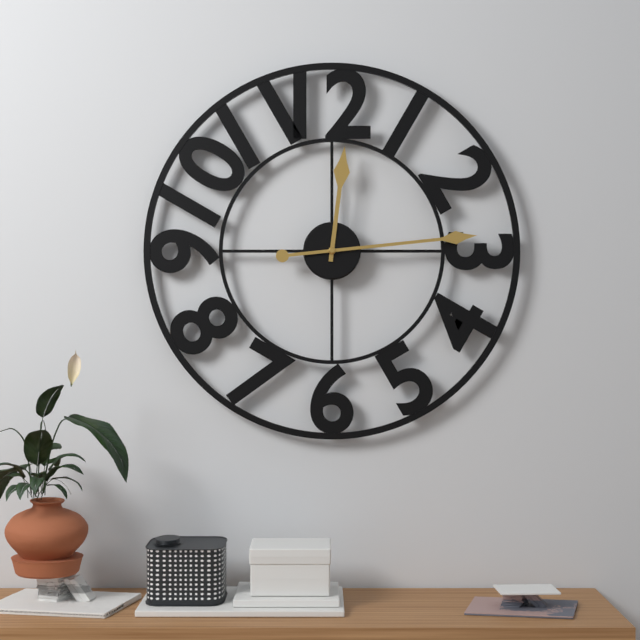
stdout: 12:14
